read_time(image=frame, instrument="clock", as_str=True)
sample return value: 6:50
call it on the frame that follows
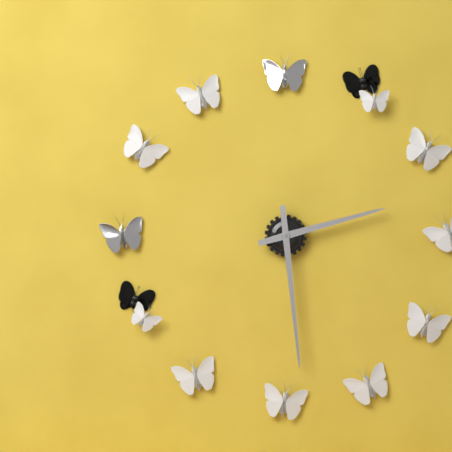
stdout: 2:29
